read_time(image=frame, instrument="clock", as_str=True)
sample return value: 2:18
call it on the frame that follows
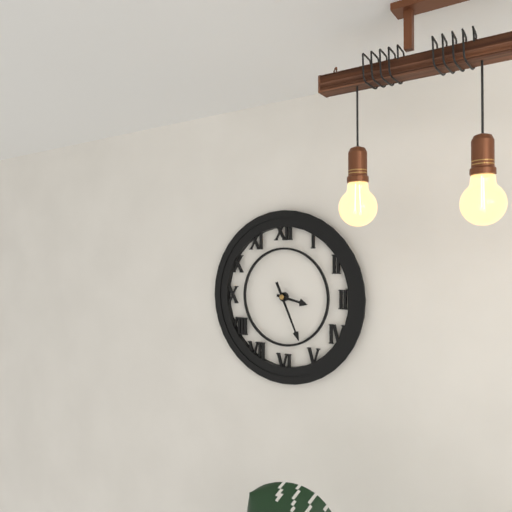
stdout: 3:26
